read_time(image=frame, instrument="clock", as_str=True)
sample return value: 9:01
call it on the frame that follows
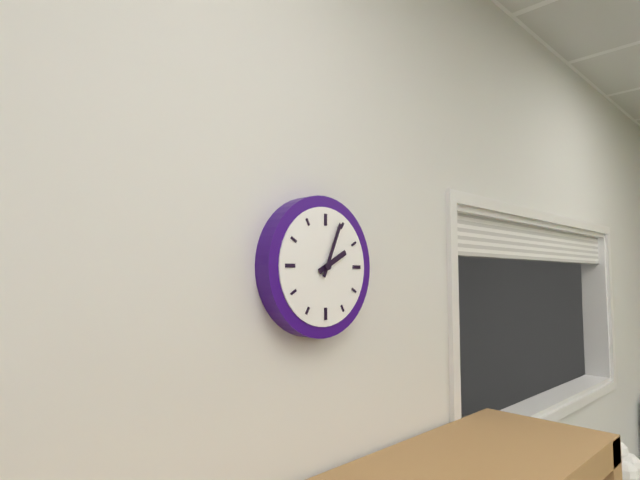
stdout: 2:04
